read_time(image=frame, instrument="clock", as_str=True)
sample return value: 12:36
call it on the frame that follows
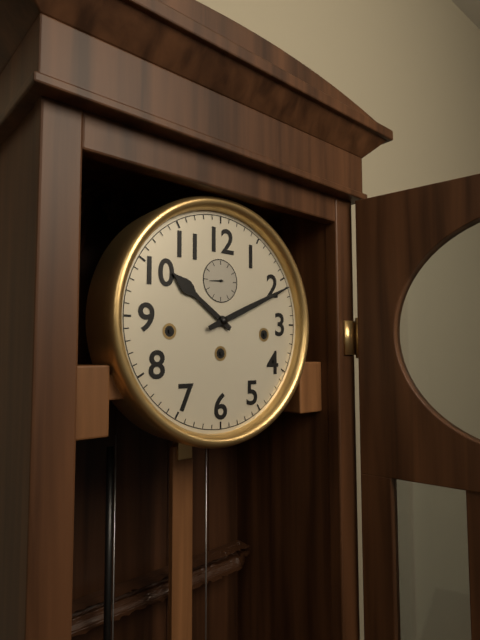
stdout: 10:11
